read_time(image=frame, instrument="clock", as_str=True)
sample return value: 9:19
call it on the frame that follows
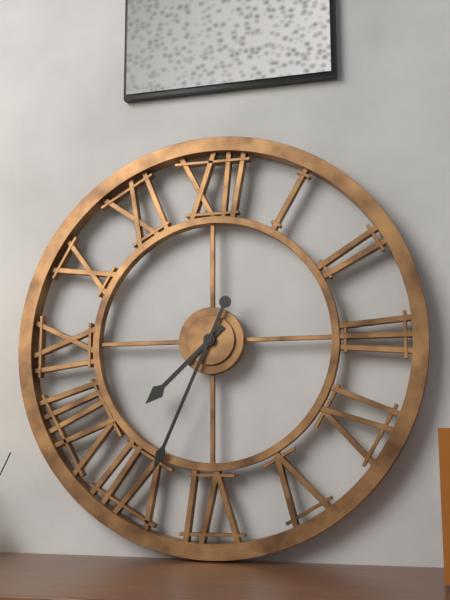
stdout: 7:34
